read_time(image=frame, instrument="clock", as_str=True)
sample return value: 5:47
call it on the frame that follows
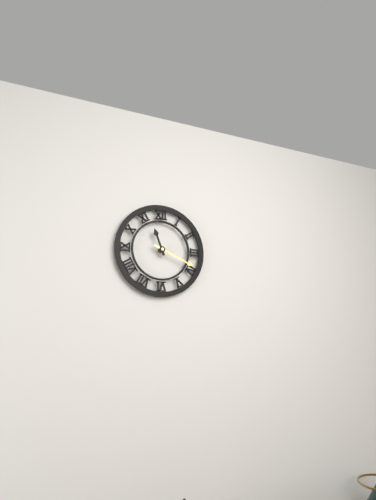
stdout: 11:19
